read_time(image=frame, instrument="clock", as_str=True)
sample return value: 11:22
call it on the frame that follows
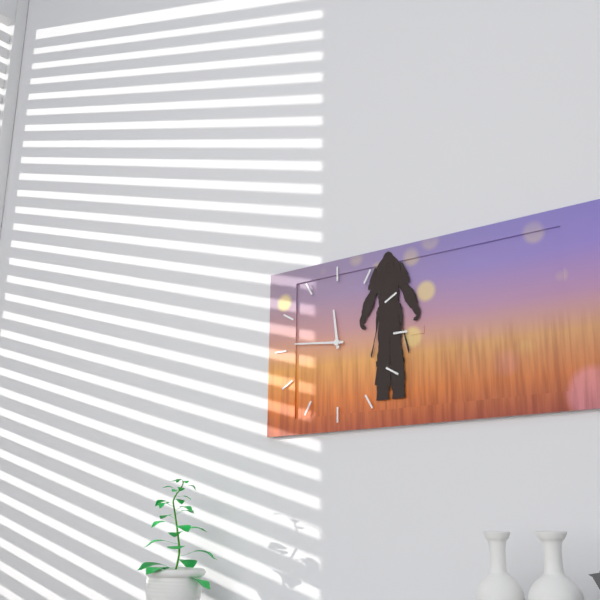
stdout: 11:46
